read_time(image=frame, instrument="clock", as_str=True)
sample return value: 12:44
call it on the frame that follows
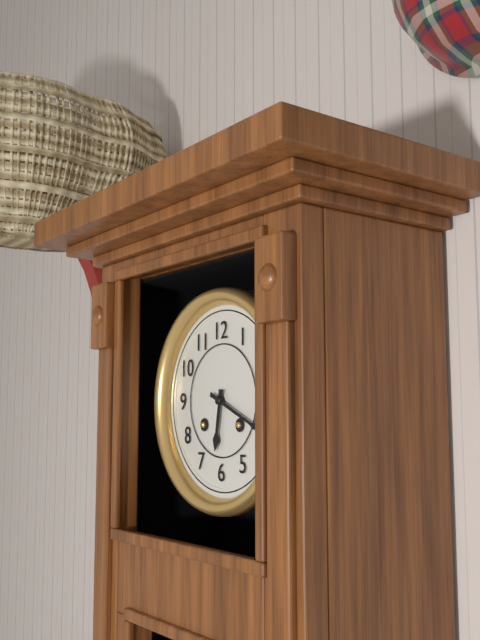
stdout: 6:19
